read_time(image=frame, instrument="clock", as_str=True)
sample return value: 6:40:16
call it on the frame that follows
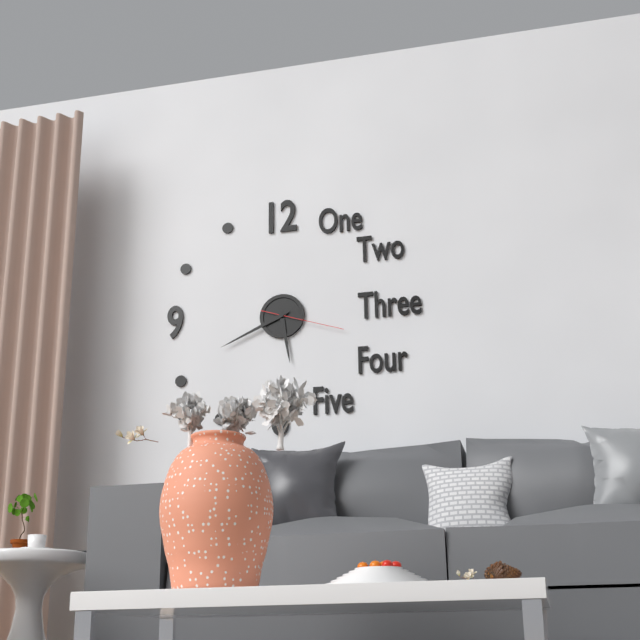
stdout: 5:41:18
